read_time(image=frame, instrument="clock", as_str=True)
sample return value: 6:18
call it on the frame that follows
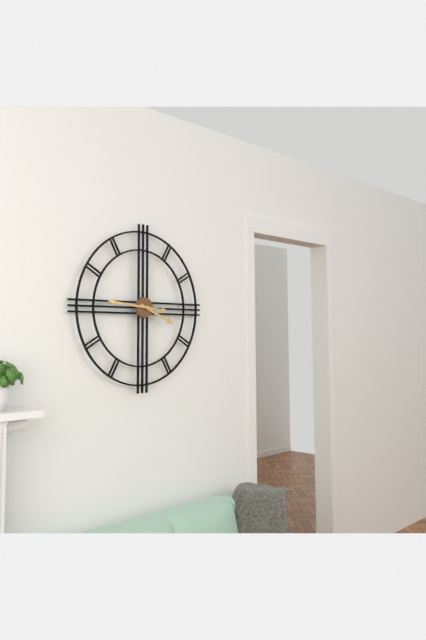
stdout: 3:46
